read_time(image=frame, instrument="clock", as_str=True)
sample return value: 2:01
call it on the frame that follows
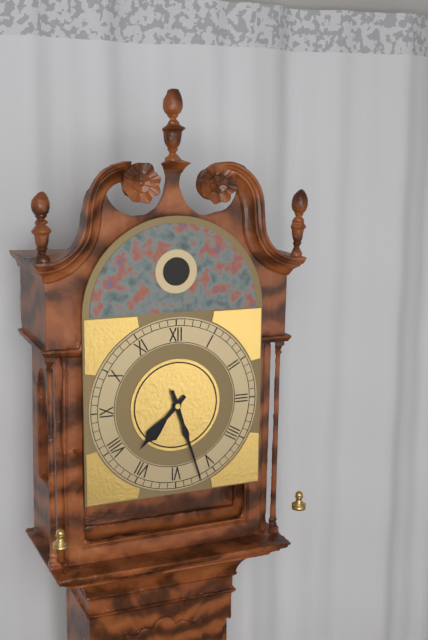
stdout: 7:27
